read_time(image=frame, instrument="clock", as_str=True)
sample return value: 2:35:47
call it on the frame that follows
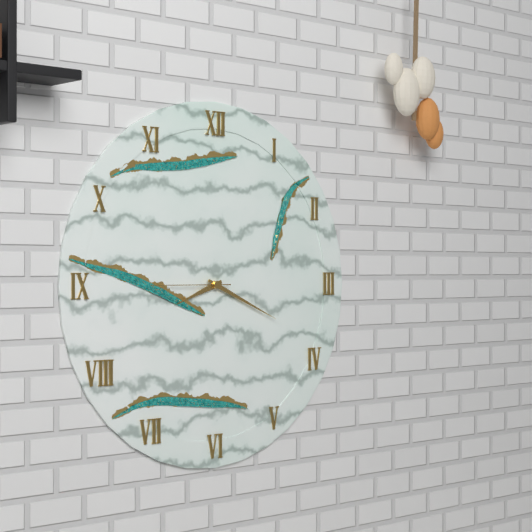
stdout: 8:19:45
